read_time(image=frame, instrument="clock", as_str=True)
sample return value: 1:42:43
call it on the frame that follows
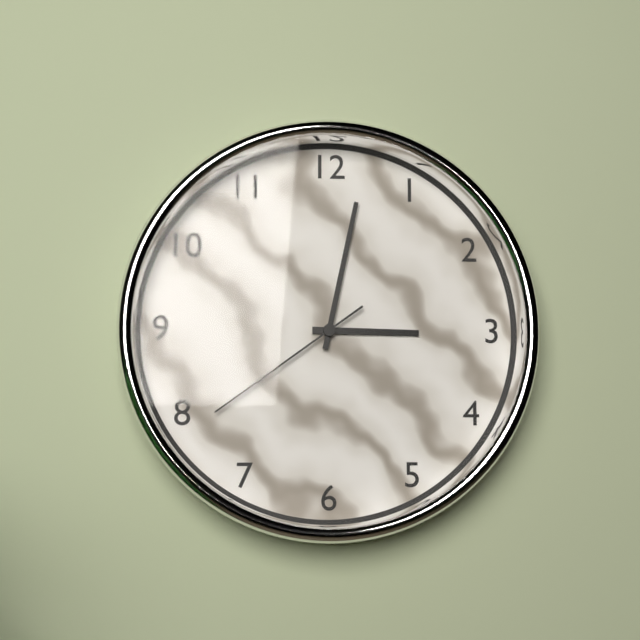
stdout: 3:02:39
